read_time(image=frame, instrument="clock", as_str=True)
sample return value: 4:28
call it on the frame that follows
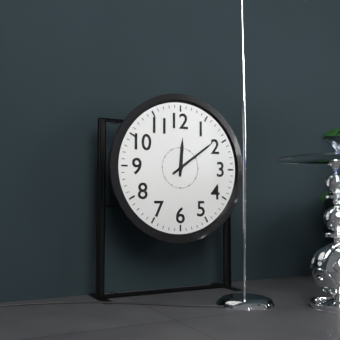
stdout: 12:09
